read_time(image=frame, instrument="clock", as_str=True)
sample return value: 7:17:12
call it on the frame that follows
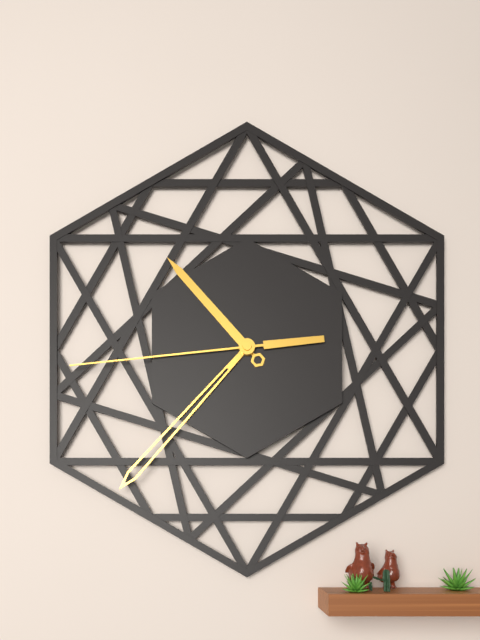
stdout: 10:37:44
